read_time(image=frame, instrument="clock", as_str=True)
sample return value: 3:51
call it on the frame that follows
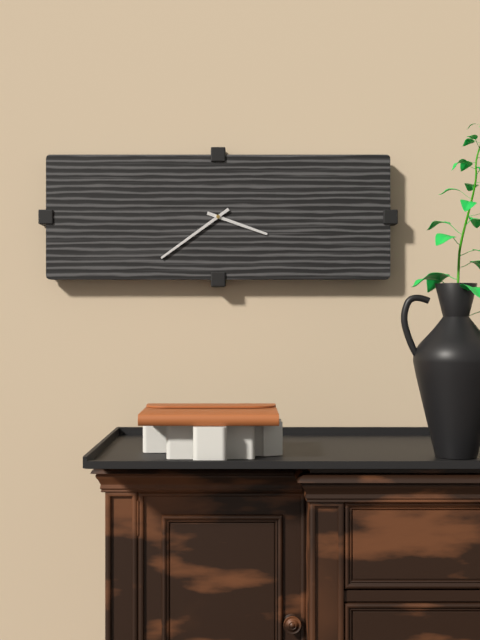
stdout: 3:39
